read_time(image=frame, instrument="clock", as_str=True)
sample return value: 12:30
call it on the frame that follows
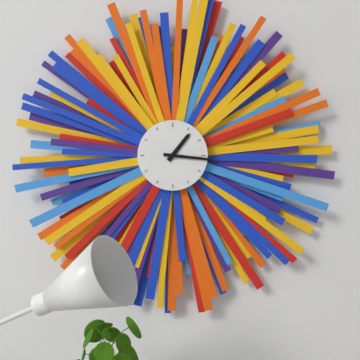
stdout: 1:16
